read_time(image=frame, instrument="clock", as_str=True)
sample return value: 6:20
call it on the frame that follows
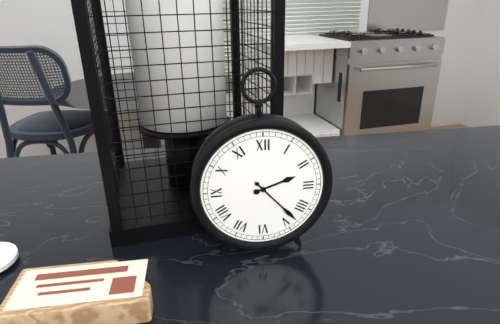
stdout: 2:23
